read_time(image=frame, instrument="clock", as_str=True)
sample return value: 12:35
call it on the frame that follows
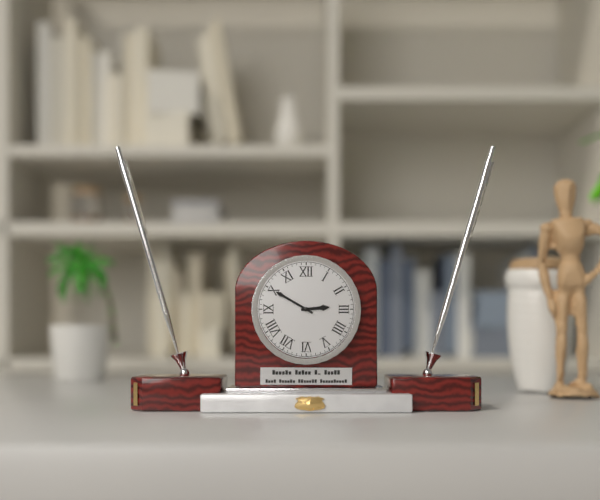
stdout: 2:50
